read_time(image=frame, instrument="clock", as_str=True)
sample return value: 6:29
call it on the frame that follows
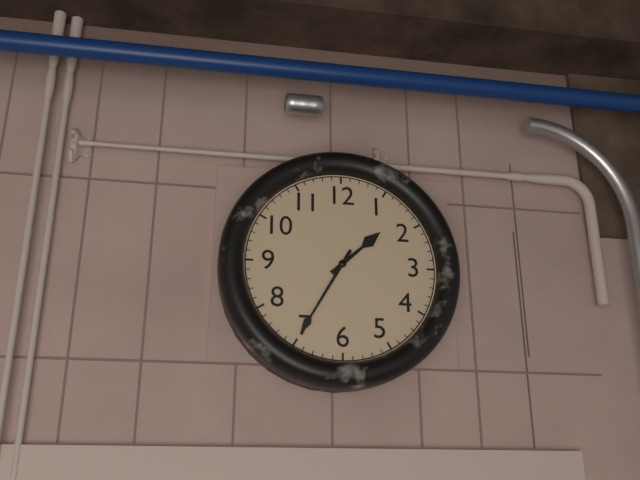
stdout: 1:35
